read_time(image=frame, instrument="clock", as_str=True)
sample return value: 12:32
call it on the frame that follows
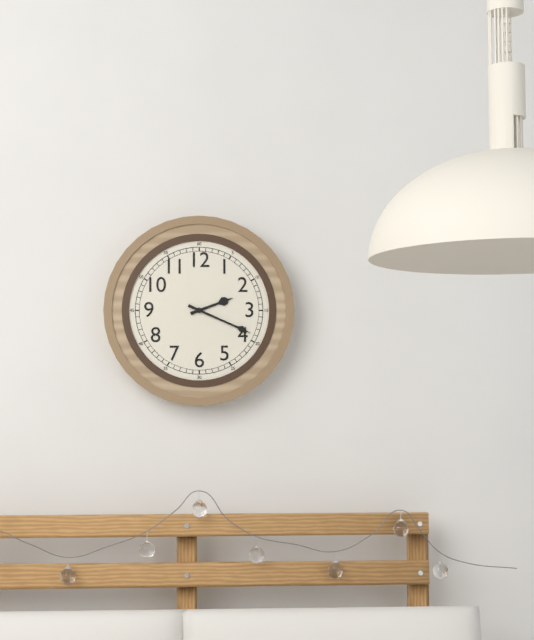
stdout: 2:19
